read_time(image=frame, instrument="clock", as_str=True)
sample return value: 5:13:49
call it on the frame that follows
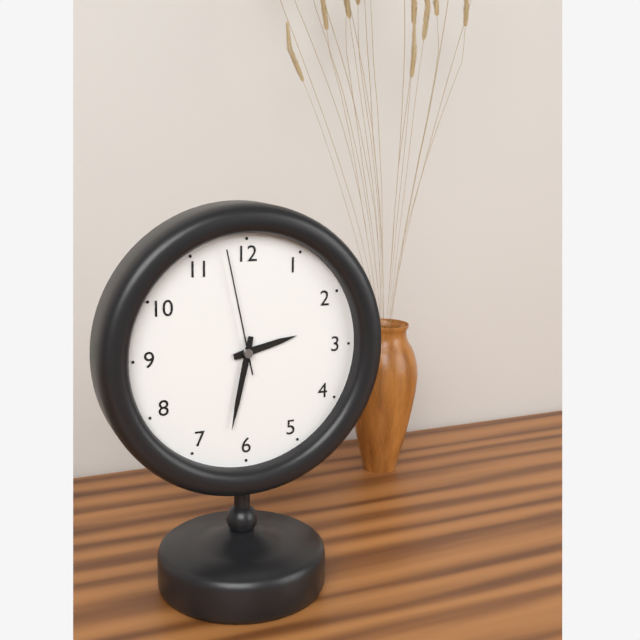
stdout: 2:32:58
